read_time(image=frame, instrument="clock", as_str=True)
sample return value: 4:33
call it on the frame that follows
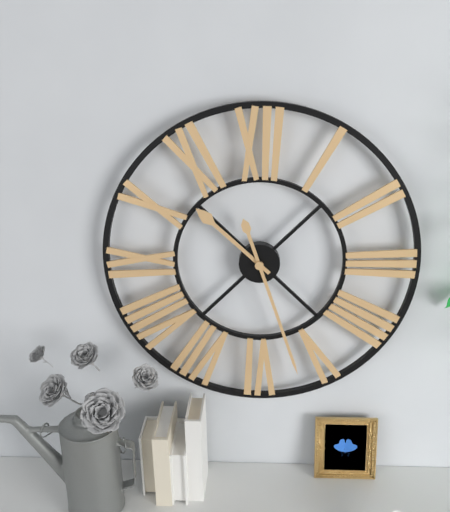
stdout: 10:27
